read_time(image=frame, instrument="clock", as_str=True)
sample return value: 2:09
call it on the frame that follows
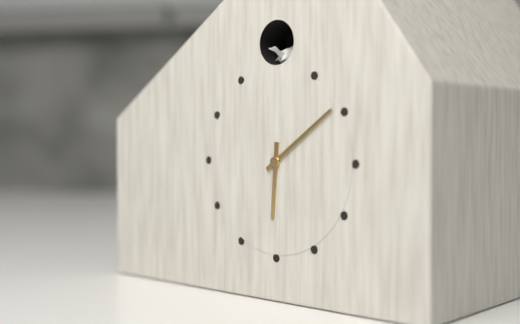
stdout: 6:09
